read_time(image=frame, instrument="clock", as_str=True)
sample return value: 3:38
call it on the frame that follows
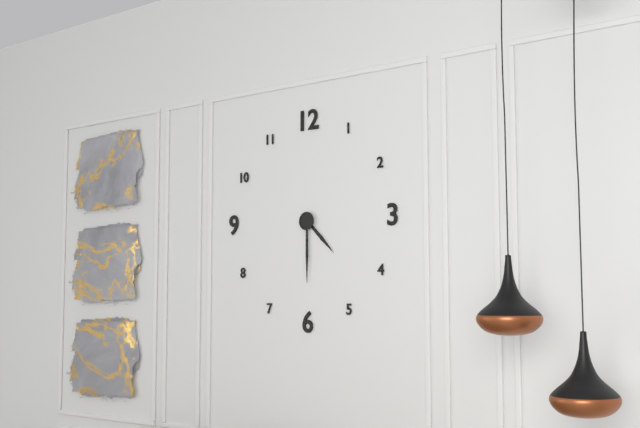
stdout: 4:30
